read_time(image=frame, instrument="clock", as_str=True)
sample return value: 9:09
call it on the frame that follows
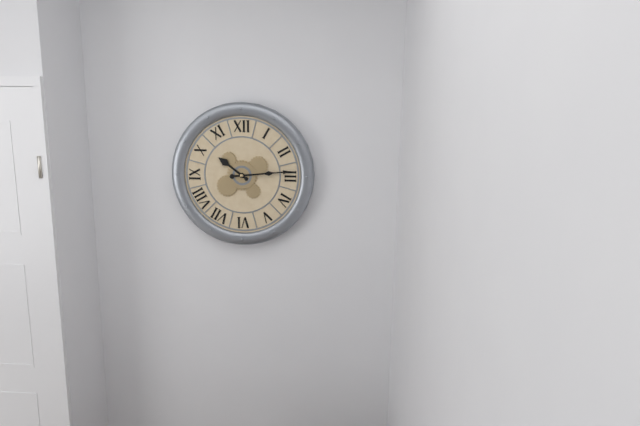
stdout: 10:14
